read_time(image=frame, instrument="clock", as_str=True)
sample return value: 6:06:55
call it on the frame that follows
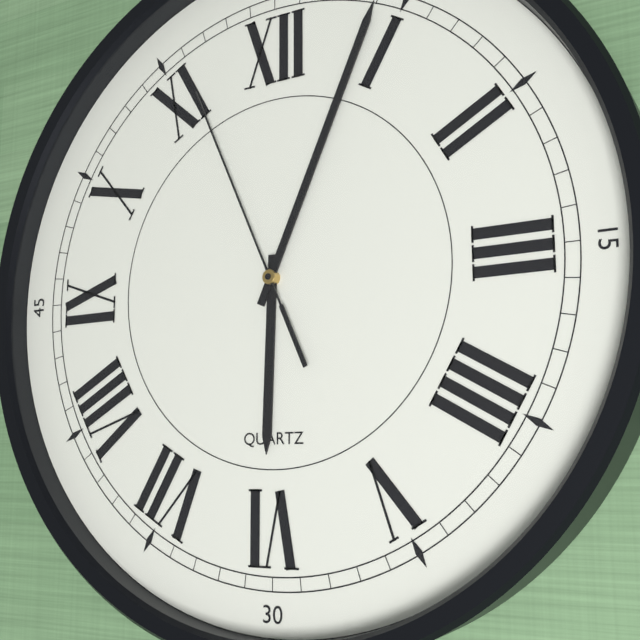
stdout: 6:04:56
